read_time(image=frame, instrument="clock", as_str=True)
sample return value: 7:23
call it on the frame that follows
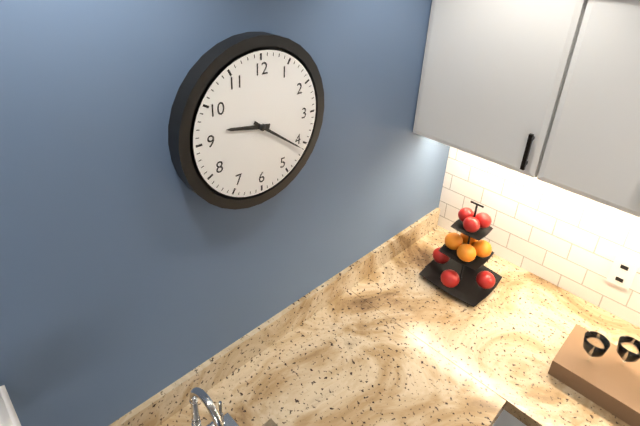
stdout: 9:21
